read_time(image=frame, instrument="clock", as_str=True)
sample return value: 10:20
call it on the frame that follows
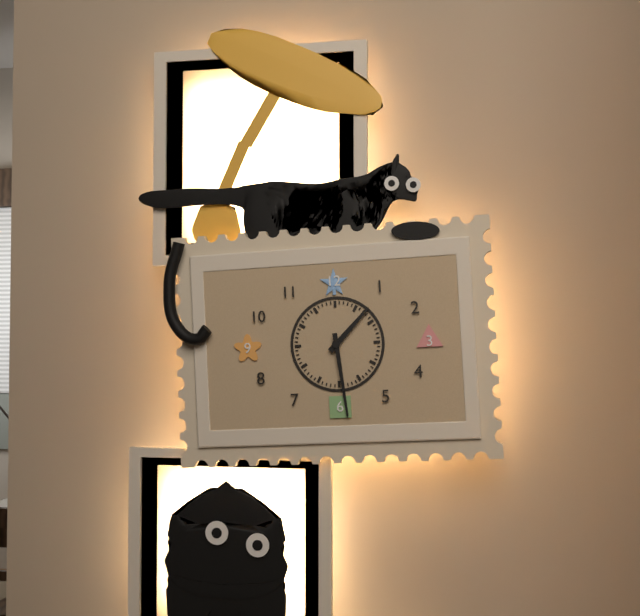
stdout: 1:29
